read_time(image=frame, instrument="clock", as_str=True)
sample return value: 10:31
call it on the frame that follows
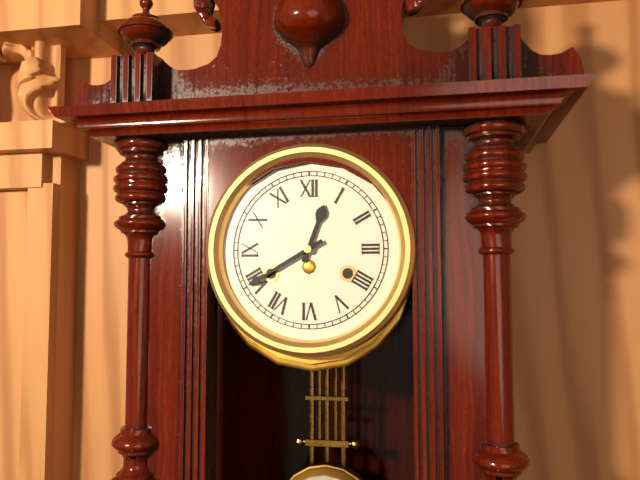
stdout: 12:40
